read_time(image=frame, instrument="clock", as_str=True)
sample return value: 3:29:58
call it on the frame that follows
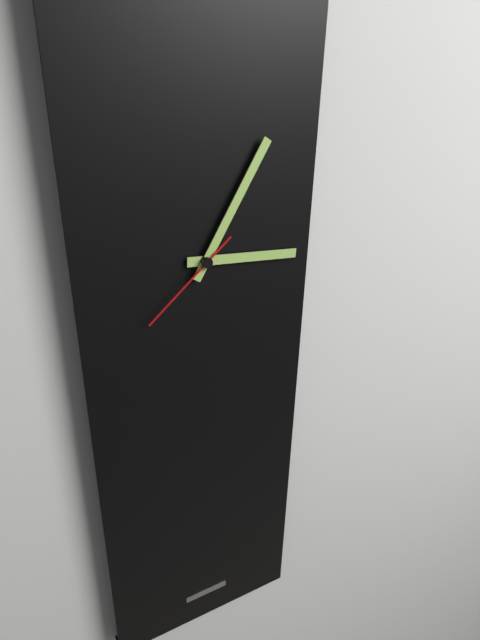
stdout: 3:05:38
